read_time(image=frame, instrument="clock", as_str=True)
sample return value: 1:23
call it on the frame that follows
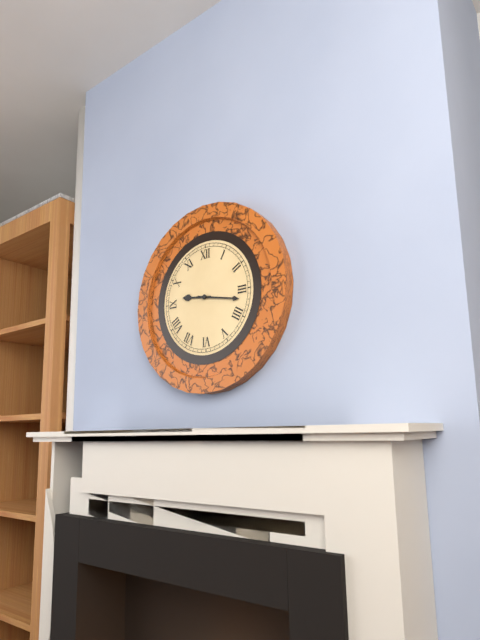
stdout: 9:17
